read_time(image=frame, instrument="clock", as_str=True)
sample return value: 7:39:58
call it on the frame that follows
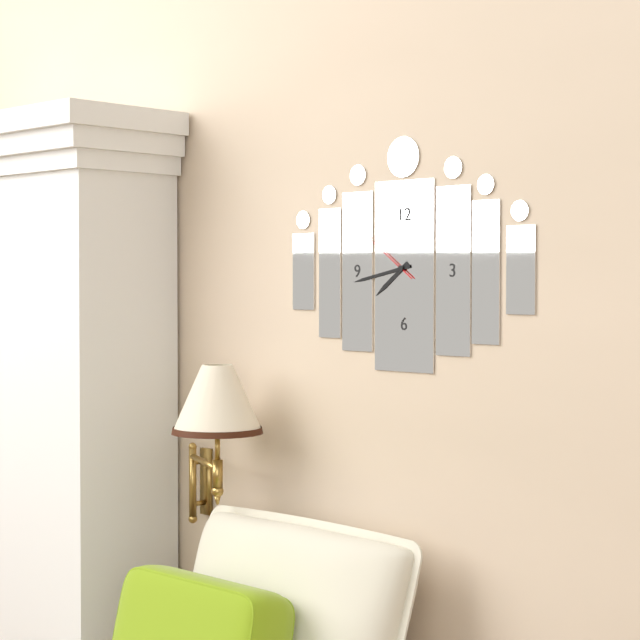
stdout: 7:43:51
